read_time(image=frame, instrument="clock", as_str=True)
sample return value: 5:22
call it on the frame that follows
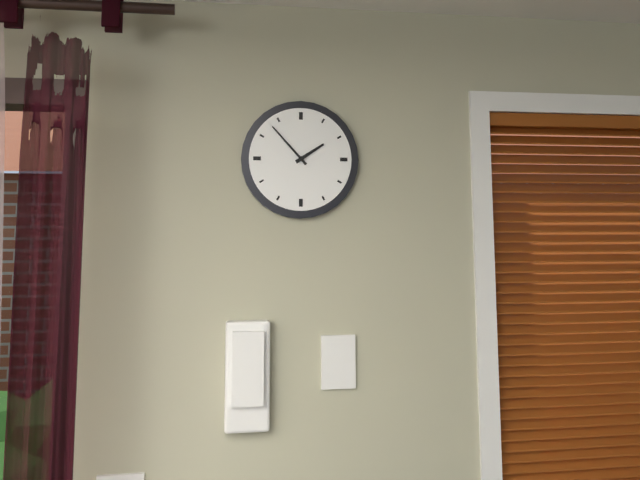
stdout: 1:53
